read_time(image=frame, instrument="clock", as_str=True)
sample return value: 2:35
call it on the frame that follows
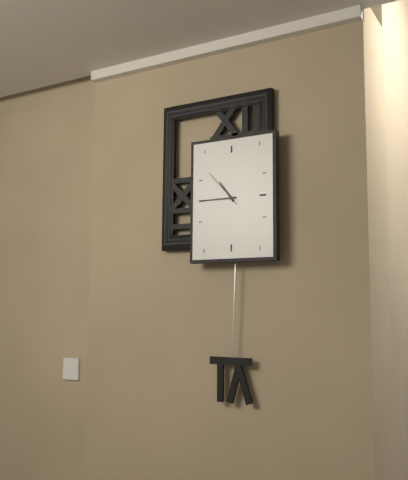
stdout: 10:45
